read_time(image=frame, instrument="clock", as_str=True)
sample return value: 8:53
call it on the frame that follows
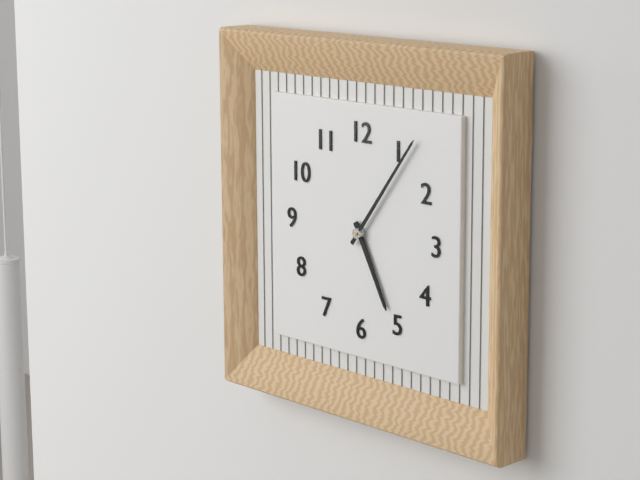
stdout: 5:06
